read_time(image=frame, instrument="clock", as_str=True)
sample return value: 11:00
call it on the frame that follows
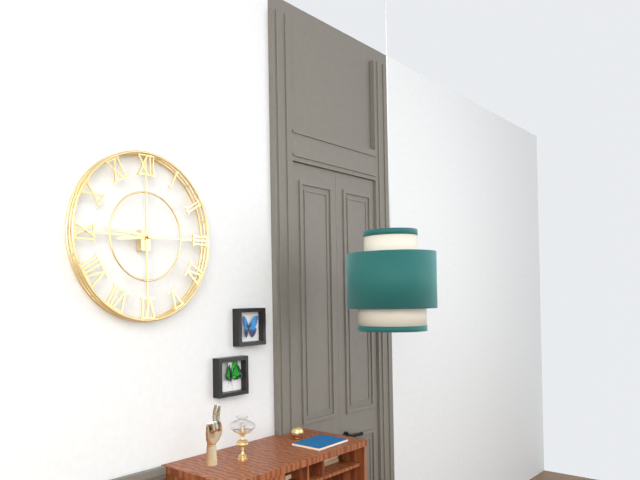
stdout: 8:46
